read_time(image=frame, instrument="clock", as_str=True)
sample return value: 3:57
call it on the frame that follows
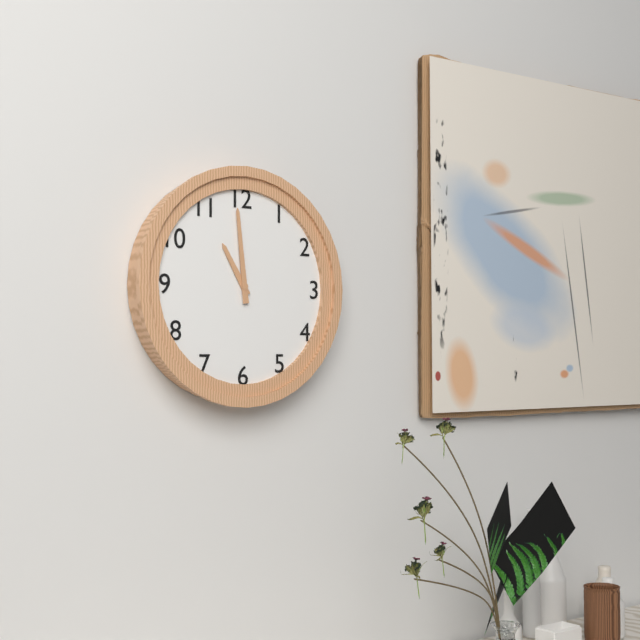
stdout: 10:59
